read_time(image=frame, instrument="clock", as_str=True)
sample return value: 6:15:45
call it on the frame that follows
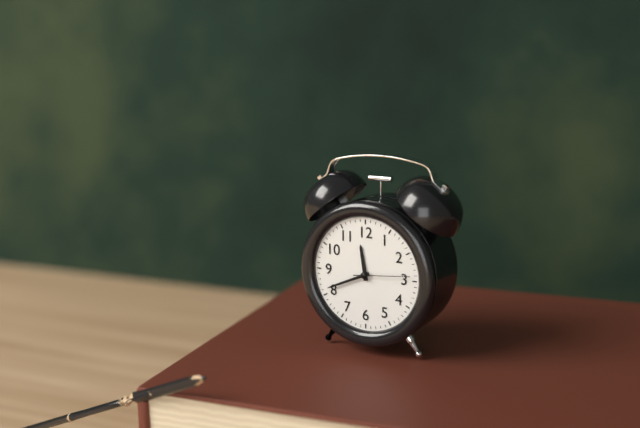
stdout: 11:41:14
